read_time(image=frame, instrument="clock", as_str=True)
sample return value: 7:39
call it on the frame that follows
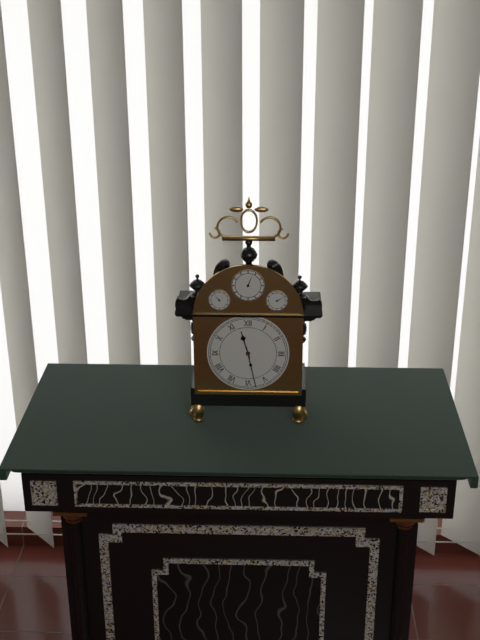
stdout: 11:28
